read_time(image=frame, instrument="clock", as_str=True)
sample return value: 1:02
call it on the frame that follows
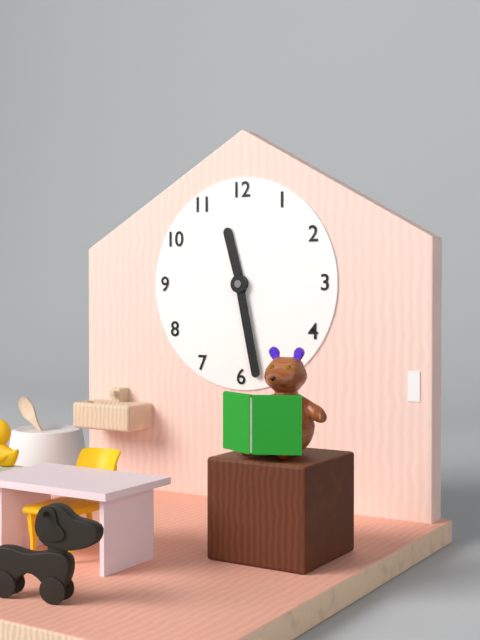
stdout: 11:28
